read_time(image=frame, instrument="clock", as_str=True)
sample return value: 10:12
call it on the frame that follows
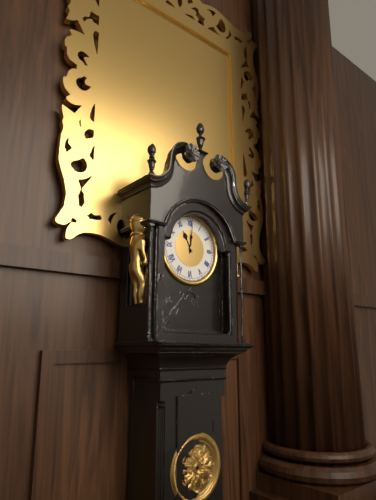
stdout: 11:01
